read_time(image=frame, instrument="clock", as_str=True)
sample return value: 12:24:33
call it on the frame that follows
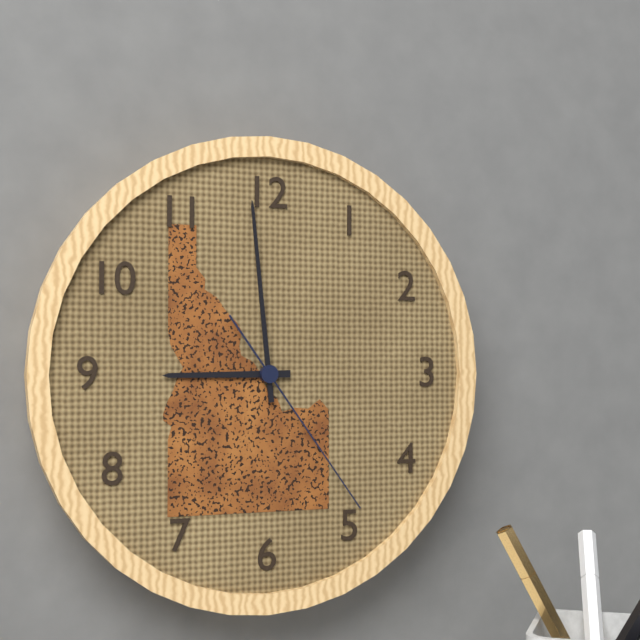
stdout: 8:59:24
